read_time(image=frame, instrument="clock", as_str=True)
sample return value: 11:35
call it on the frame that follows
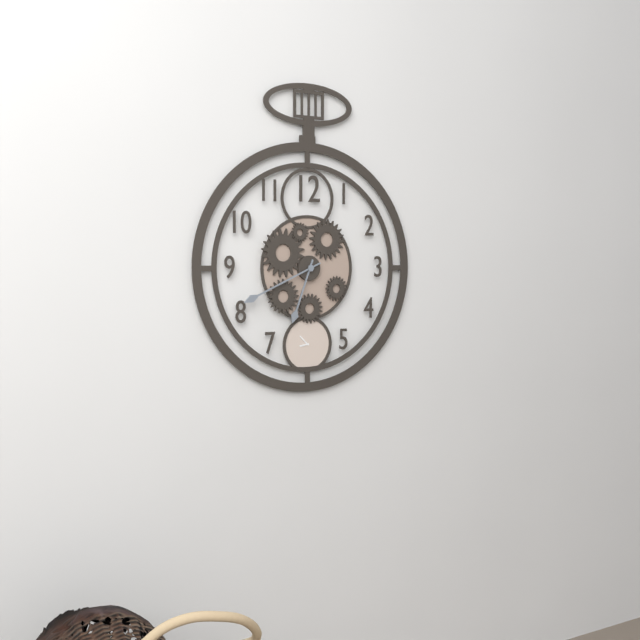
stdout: 6:41
